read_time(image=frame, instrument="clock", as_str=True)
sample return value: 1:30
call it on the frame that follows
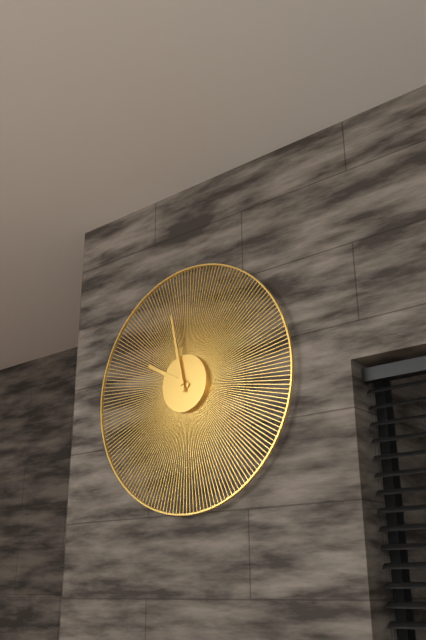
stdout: 9:58
